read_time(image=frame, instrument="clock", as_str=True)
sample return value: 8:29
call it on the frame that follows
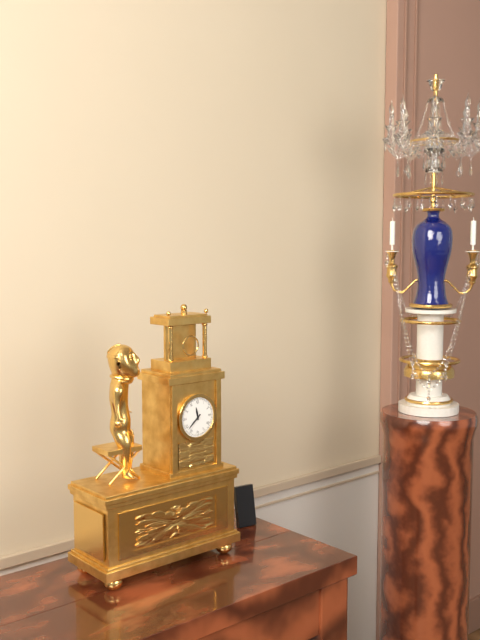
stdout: 11:38
